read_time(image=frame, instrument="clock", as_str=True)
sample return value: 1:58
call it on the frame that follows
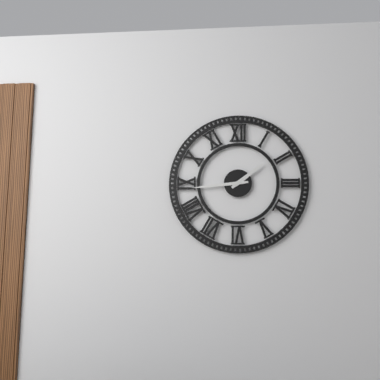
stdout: 1:44
